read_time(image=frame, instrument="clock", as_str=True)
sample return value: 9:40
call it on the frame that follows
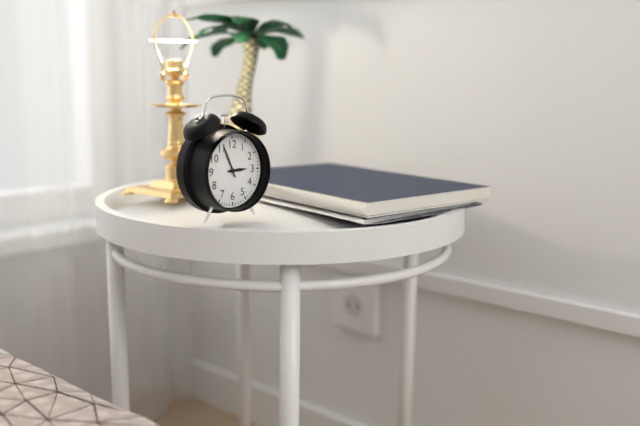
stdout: 2:56
